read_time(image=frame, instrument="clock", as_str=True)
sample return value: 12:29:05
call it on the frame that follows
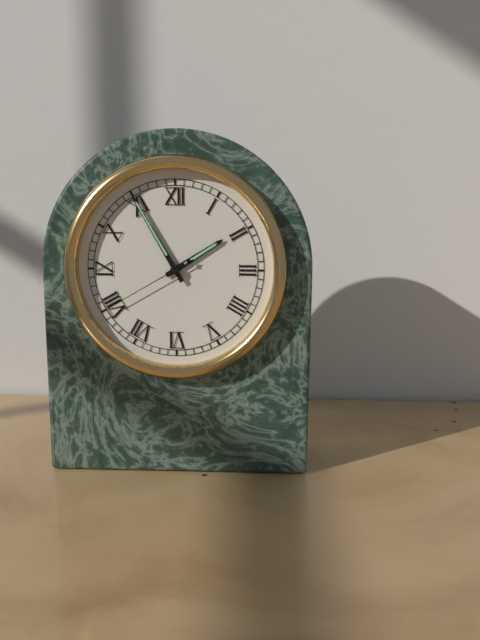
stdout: 1:55:40
